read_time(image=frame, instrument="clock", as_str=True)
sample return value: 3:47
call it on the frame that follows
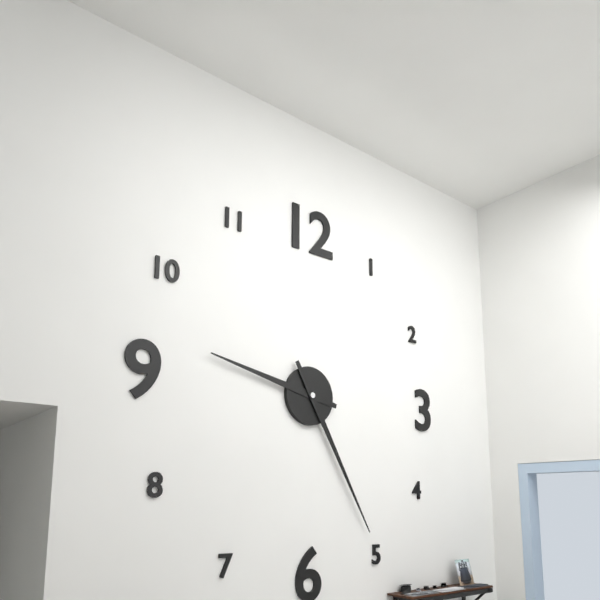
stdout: 9:25
